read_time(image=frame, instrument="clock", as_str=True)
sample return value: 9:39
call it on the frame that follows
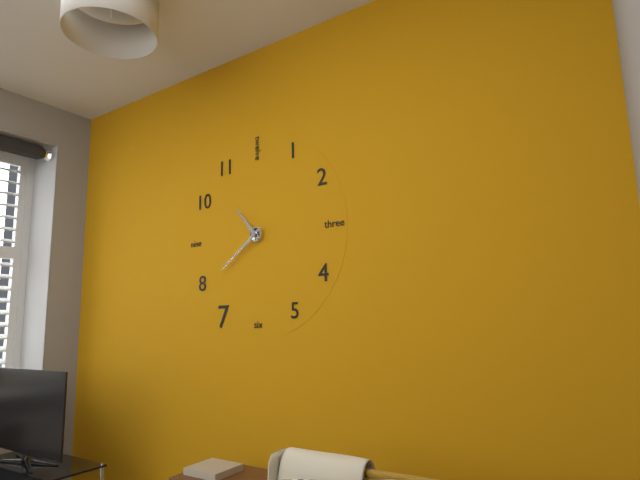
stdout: 10:39
